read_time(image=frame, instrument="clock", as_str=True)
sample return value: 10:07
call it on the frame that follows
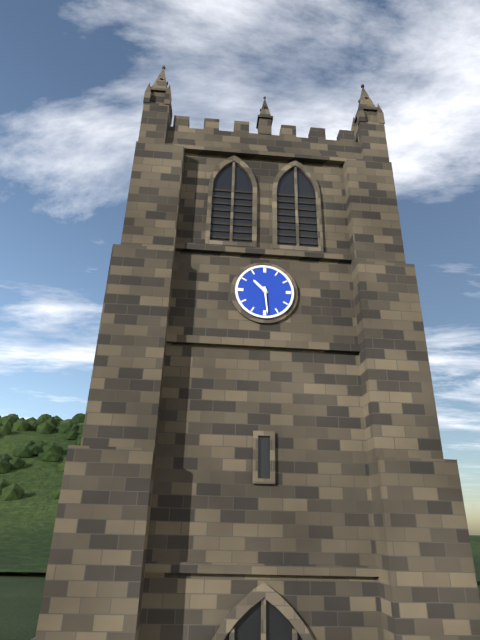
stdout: 10:29
